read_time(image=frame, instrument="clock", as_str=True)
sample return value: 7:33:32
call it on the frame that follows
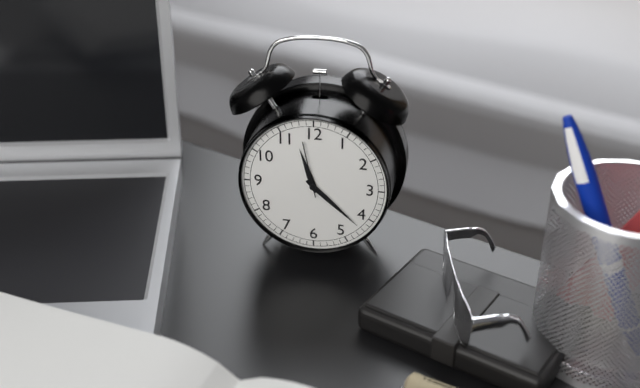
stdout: 11:22:58
